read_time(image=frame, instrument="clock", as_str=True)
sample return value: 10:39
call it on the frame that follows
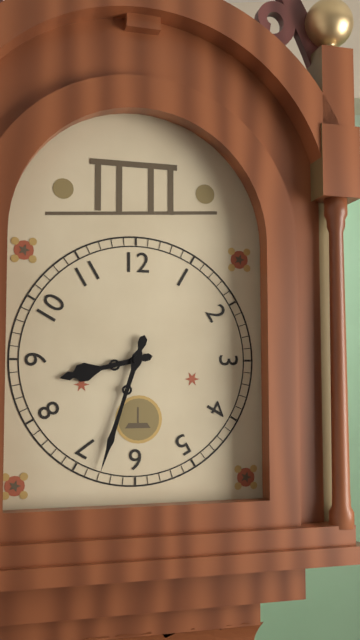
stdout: 8:33
